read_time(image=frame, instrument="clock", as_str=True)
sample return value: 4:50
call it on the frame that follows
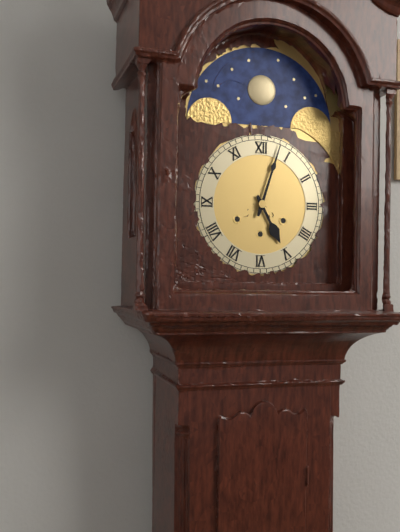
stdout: 5:03
